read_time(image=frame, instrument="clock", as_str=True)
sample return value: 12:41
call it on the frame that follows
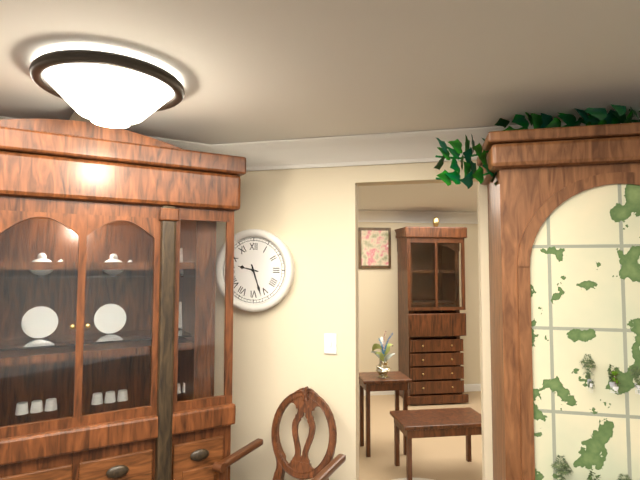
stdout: 9:27
